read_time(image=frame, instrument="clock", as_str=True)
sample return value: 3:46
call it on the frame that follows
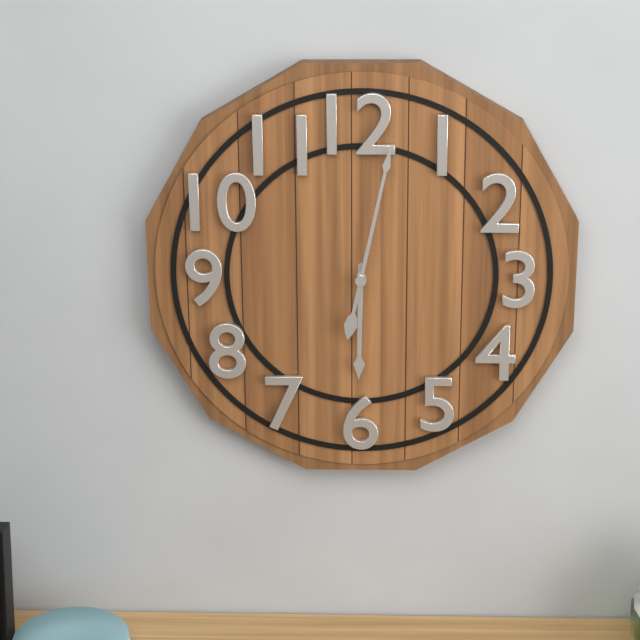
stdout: 6:02
